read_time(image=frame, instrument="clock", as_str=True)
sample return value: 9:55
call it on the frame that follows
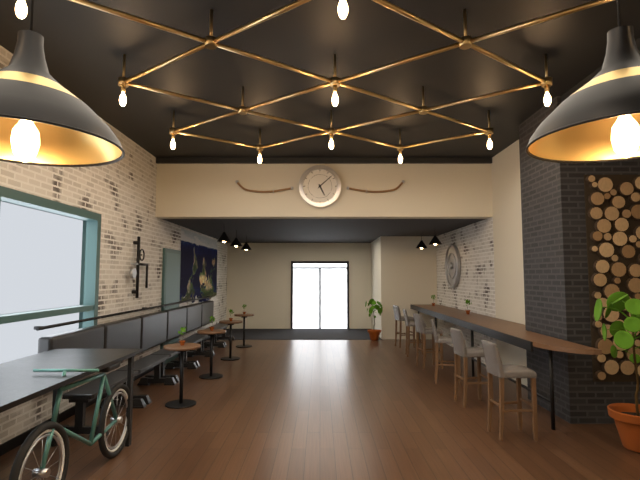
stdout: 5:08
